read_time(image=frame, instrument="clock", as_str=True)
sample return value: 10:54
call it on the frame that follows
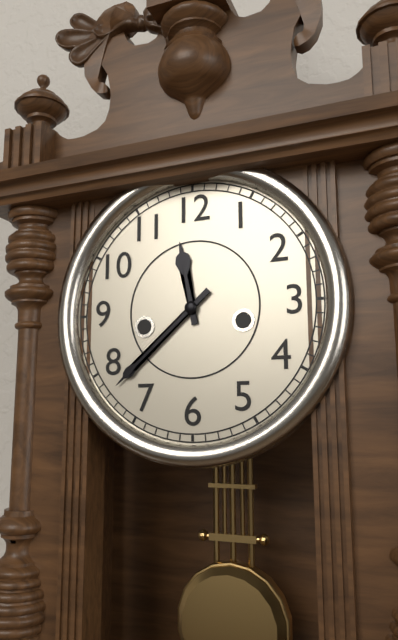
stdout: 11:38
